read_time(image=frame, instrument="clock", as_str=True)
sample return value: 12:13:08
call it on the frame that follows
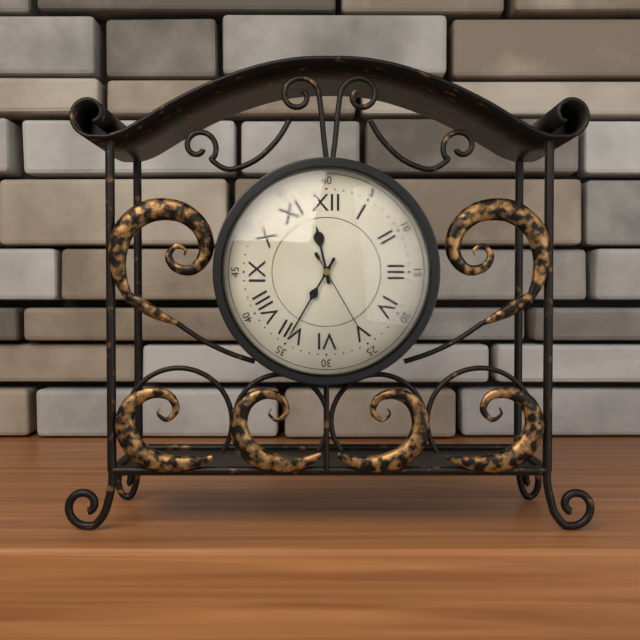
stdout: 11:35:25
